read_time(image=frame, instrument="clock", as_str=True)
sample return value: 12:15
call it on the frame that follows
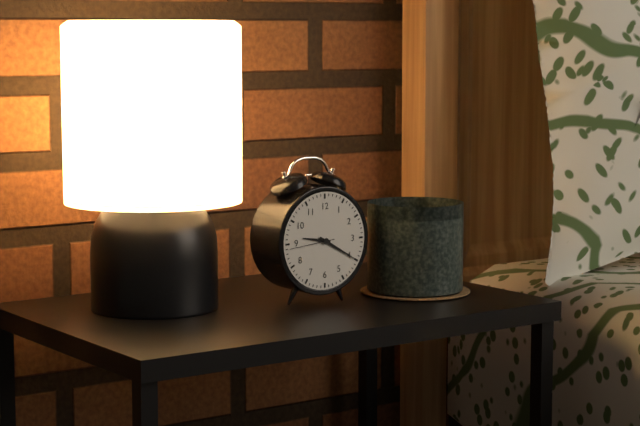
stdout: 9:20
